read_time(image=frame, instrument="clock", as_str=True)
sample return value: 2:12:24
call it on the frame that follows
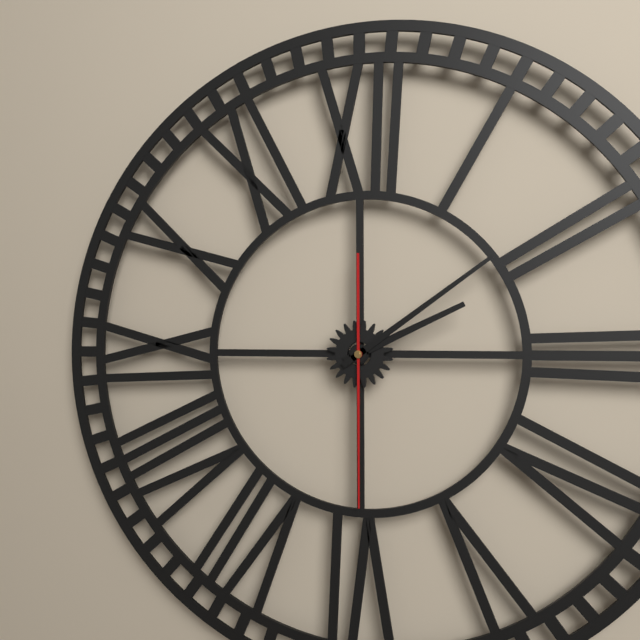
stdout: 2:09:30
